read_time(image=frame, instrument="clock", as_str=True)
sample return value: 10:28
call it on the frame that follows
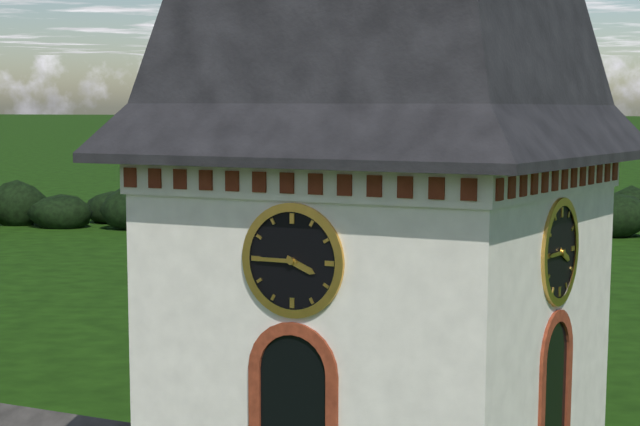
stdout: 3:45
